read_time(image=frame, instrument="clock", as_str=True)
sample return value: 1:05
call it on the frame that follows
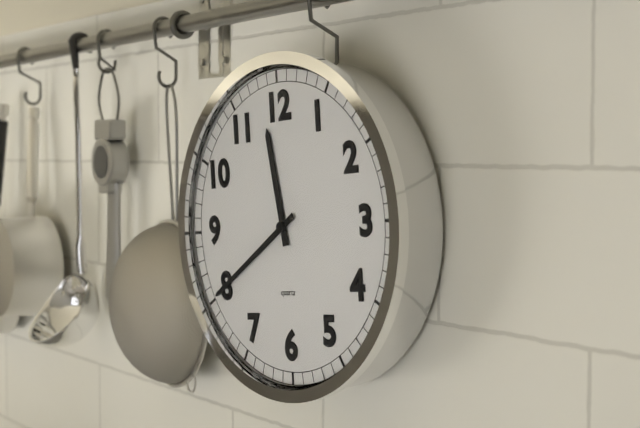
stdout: 11:40
